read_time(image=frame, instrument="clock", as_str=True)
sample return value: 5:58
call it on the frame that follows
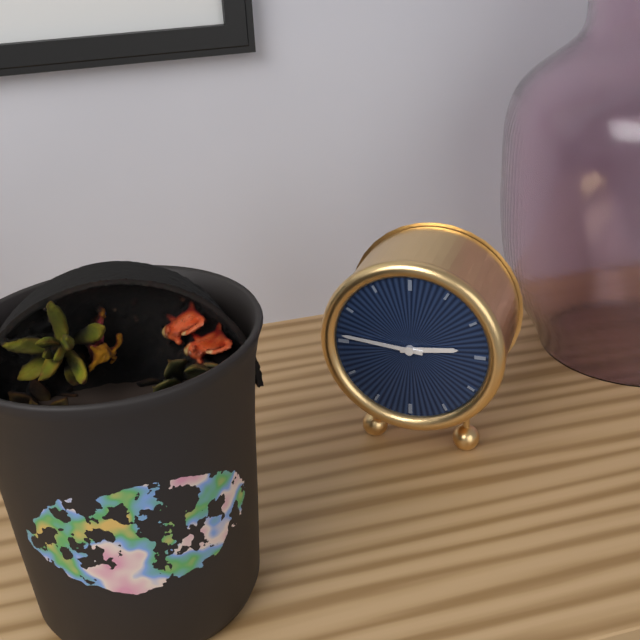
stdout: 2:46
